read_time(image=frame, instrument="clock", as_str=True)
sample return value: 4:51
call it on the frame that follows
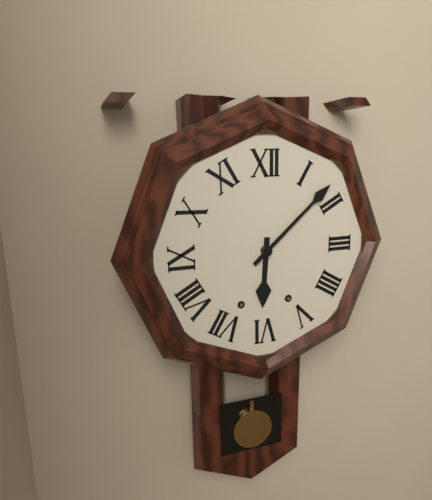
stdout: 6:08
